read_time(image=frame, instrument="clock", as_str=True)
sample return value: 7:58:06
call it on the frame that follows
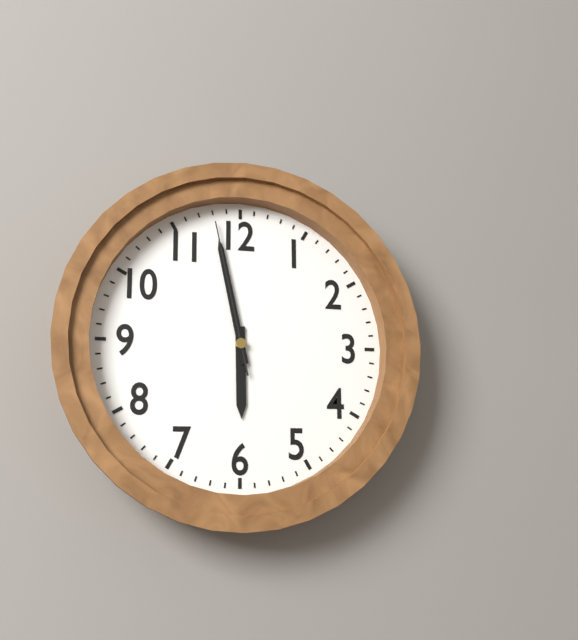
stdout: 5:58:58
